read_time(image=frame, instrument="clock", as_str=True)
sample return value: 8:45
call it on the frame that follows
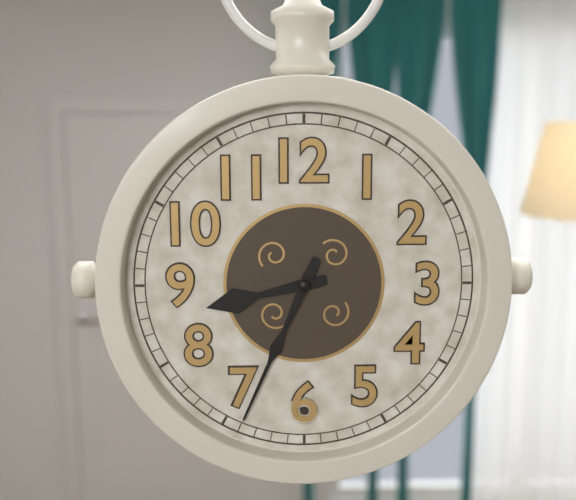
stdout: 8:34
